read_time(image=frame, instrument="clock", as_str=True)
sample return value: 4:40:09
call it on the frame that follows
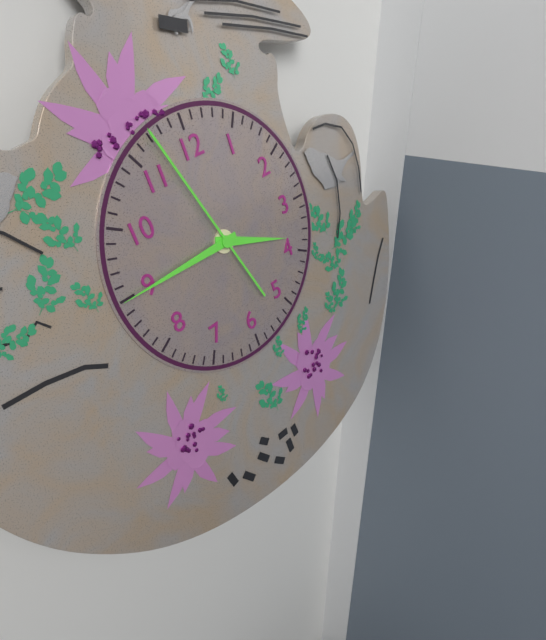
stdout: 3:45:57
